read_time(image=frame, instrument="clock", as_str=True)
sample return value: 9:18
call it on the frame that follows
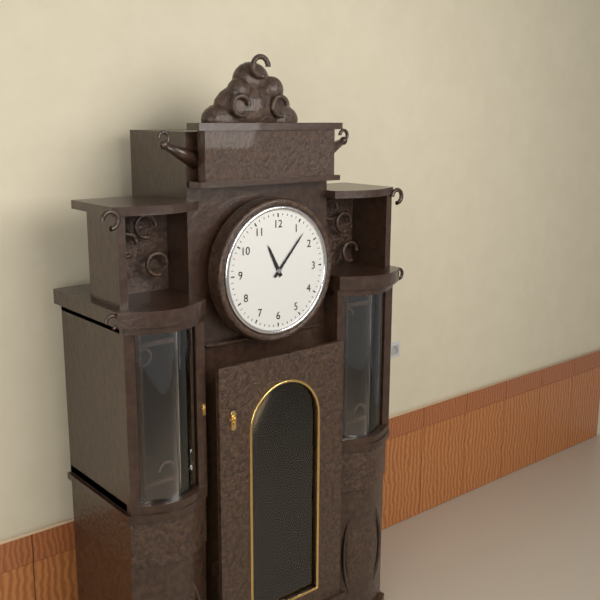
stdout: 11:07
